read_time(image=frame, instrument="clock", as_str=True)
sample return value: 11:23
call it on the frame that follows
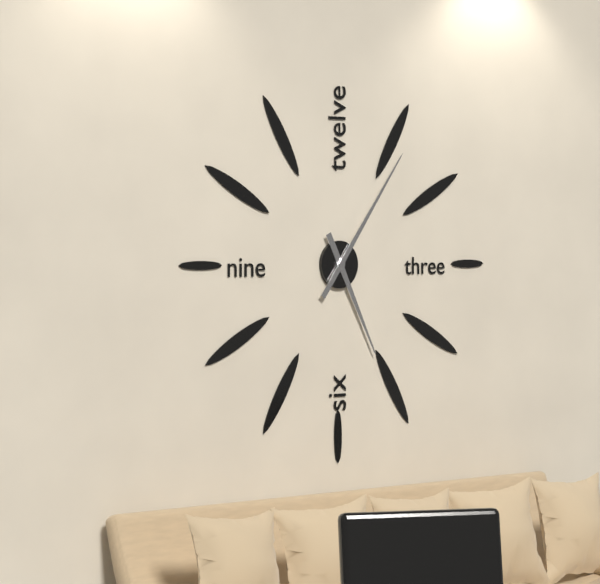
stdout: 5:06
